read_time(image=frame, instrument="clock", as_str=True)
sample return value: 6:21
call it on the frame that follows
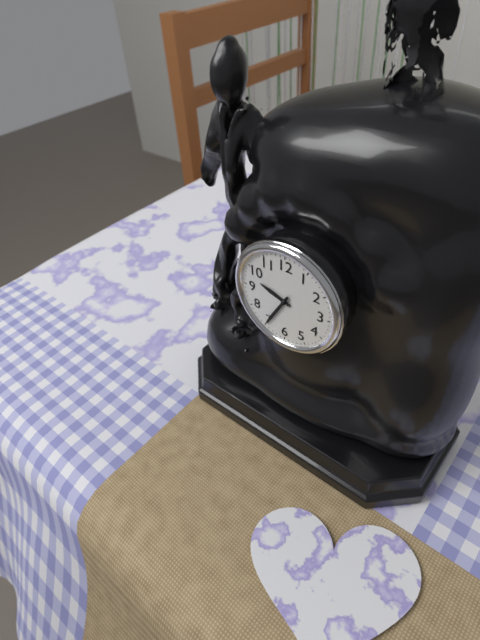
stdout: 9:35
